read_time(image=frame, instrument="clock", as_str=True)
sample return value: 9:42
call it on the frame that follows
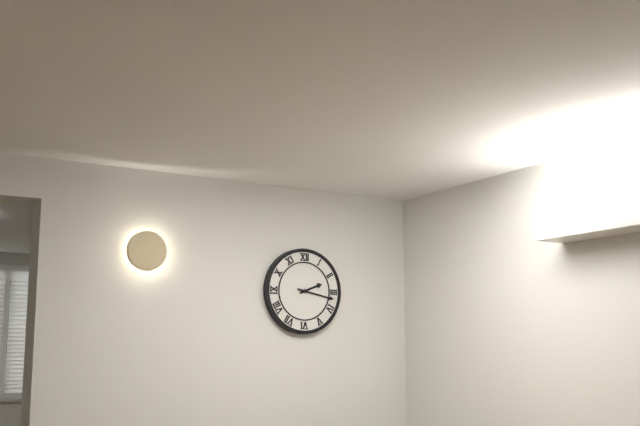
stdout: 2:17
